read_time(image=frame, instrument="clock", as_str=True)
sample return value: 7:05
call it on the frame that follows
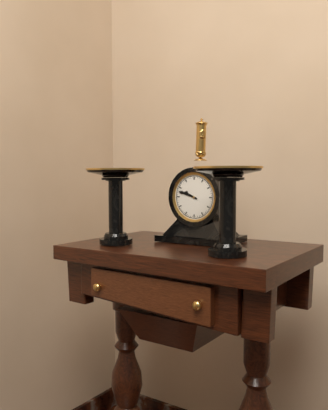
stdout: 9:48
